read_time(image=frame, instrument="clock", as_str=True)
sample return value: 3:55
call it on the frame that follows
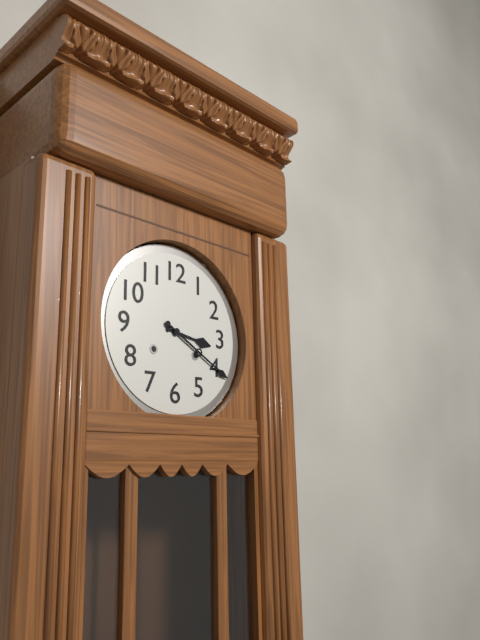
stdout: 3:20
